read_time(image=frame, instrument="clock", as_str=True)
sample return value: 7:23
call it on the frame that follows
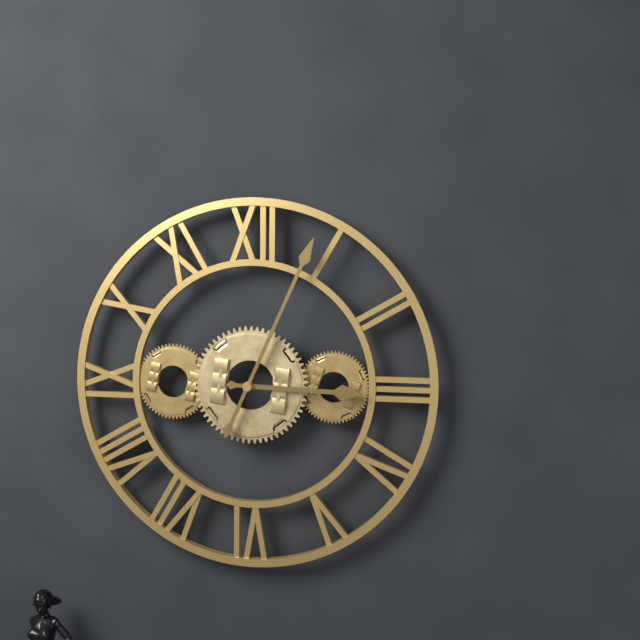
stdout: 3:04
